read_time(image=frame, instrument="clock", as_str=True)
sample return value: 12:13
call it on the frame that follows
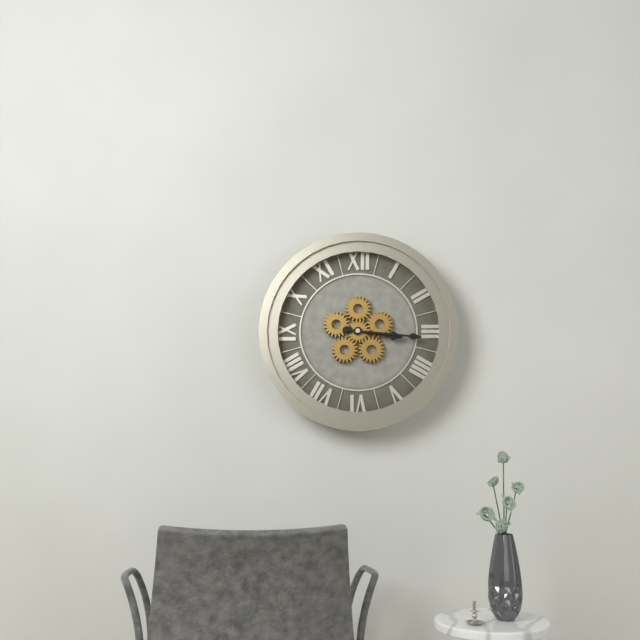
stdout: 3:16
